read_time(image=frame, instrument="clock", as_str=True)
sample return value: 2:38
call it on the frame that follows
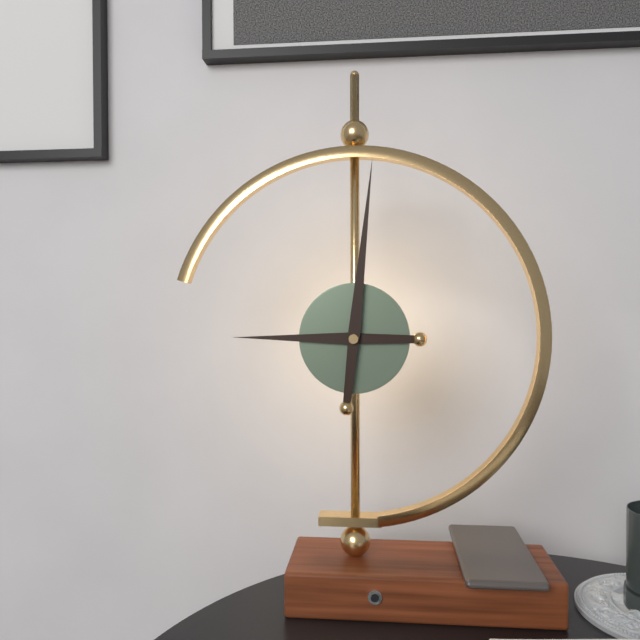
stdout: 9:01
